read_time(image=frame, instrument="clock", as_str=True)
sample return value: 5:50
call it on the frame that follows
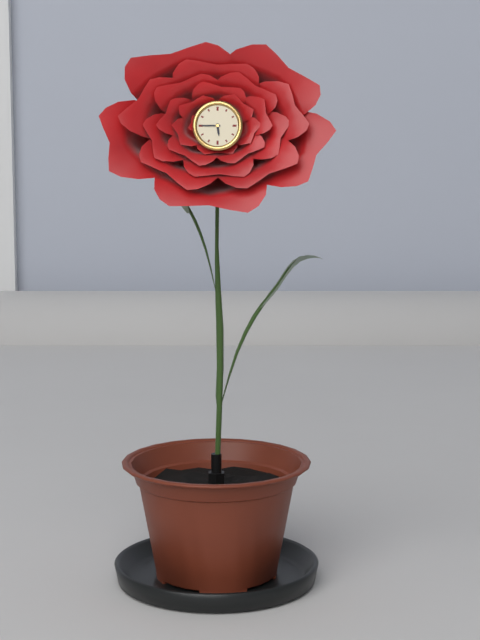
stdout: 5:45
